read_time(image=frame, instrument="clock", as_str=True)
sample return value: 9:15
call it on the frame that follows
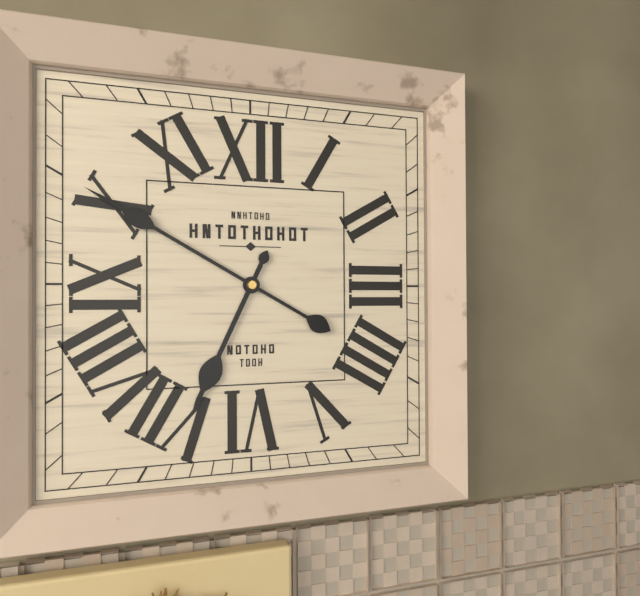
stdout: 6:50
